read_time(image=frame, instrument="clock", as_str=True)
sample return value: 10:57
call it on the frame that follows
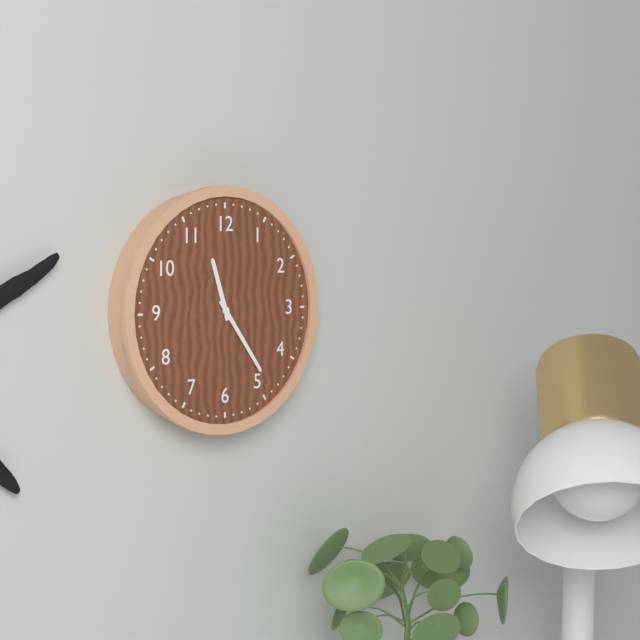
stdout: 11:24
